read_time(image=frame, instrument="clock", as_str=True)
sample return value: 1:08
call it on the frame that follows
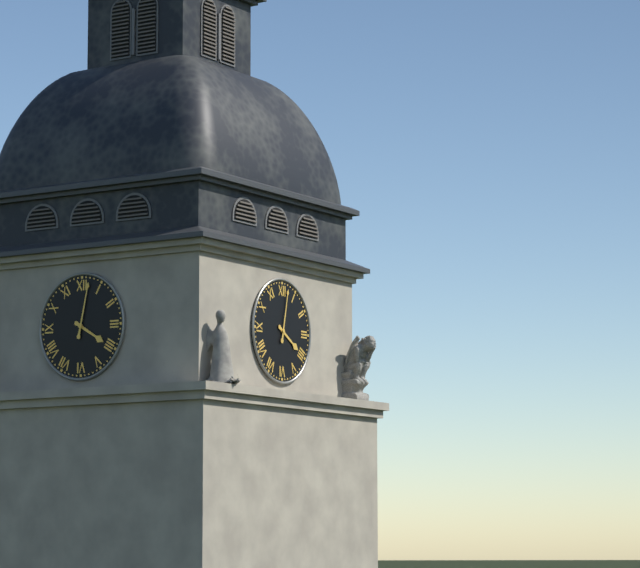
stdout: 4:02
